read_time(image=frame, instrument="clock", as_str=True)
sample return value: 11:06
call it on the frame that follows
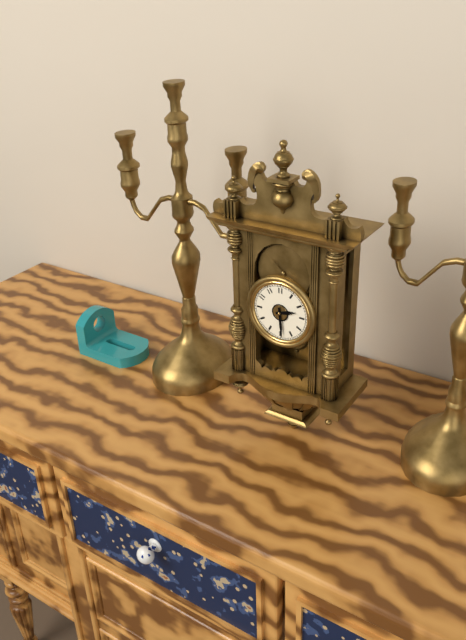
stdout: 2:29
